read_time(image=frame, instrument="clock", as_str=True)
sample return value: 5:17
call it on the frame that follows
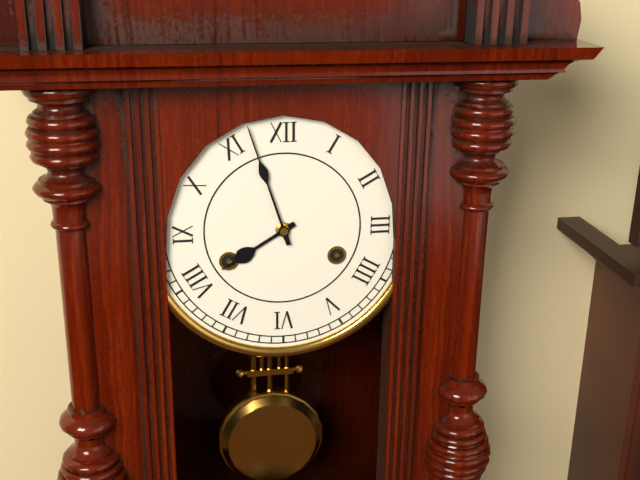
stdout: 7:57
